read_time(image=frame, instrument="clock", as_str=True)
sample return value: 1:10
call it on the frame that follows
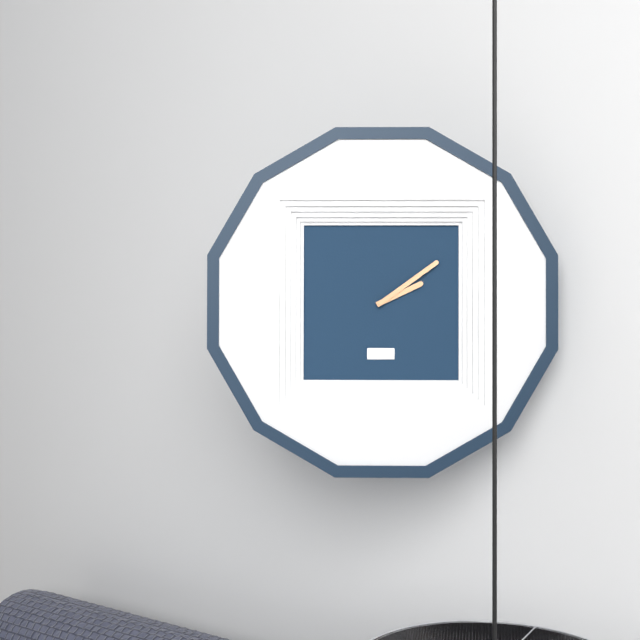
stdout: 2:09
